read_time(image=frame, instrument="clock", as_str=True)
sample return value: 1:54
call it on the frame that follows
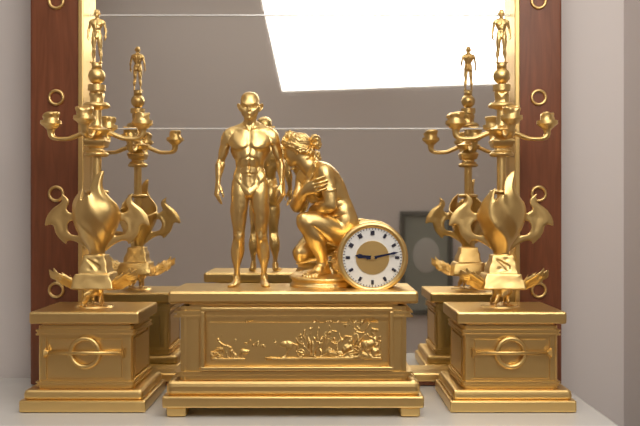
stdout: 9:13
